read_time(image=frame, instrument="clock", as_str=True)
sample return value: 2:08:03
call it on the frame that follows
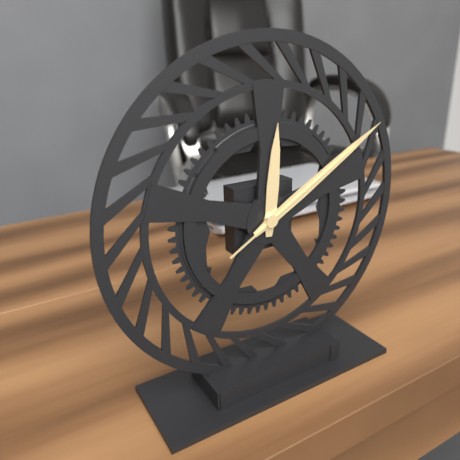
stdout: 12:10:10
